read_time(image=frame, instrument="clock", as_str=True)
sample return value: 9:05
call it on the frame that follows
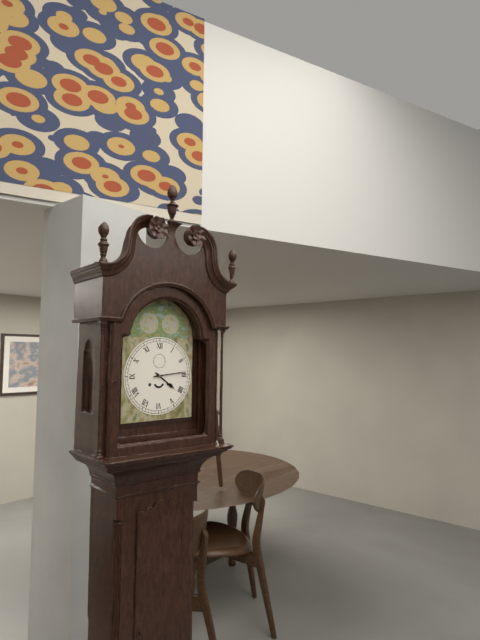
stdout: 4:14
